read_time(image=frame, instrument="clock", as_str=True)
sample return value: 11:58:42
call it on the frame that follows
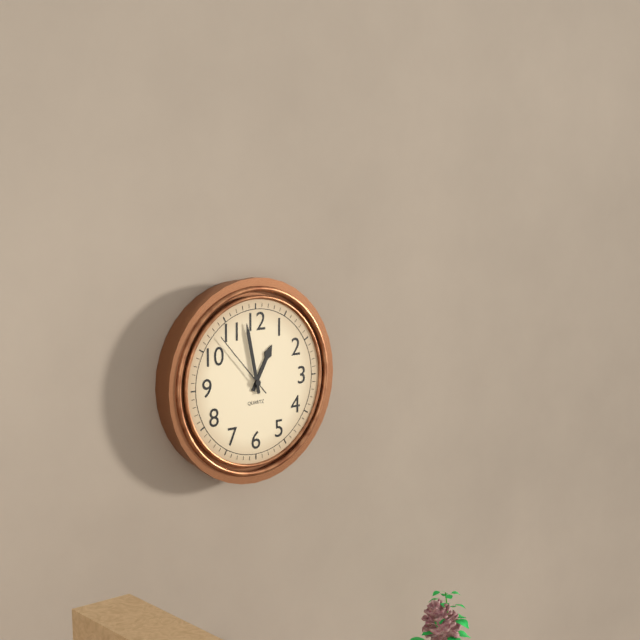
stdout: 12:58:53
